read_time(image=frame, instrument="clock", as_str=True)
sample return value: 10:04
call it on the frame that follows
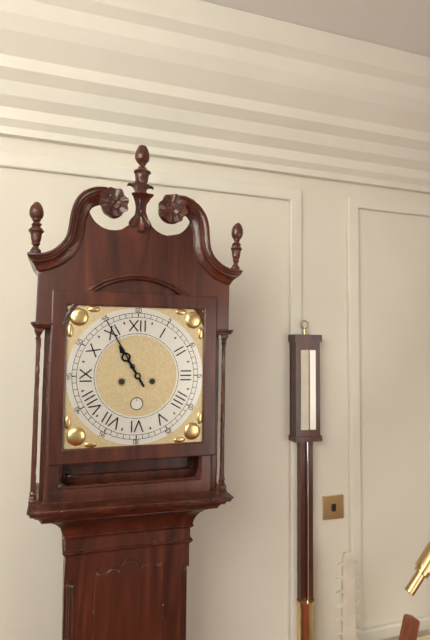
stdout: 10:55
